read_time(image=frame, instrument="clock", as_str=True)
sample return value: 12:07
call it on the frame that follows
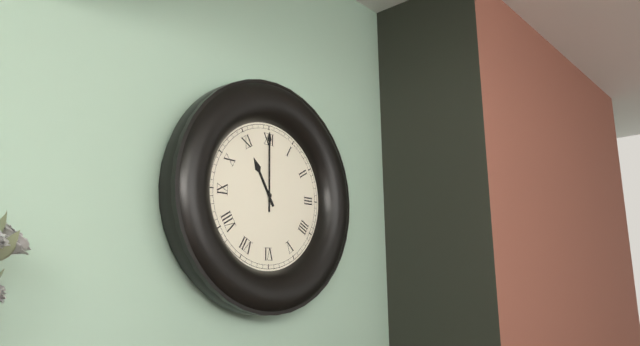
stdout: 11:00
